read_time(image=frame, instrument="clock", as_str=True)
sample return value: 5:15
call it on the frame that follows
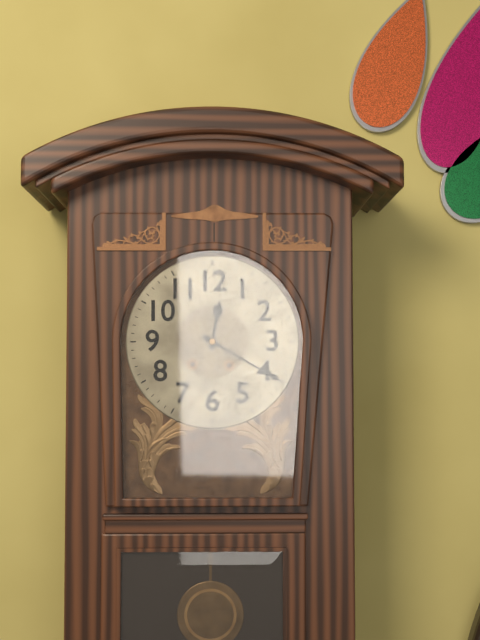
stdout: 12:20
